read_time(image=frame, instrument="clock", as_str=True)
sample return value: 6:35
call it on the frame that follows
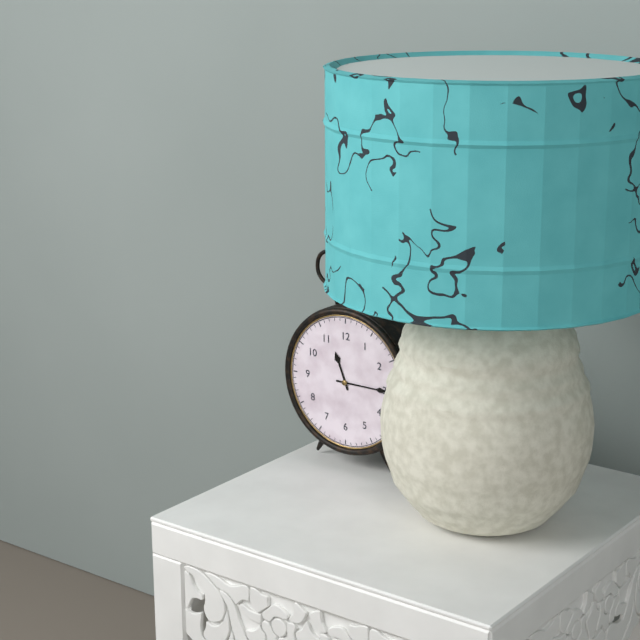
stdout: 11:15
